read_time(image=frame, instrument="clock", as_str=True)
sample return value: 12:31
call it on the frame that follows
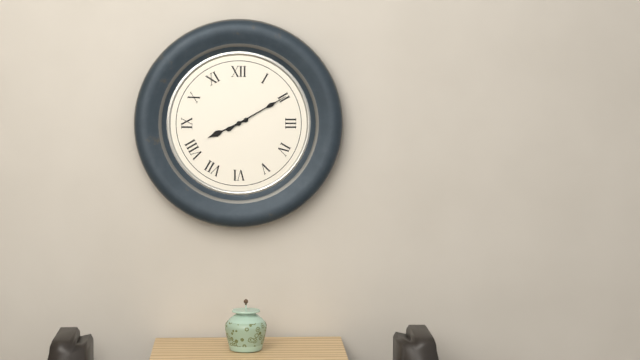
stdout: 8:10
